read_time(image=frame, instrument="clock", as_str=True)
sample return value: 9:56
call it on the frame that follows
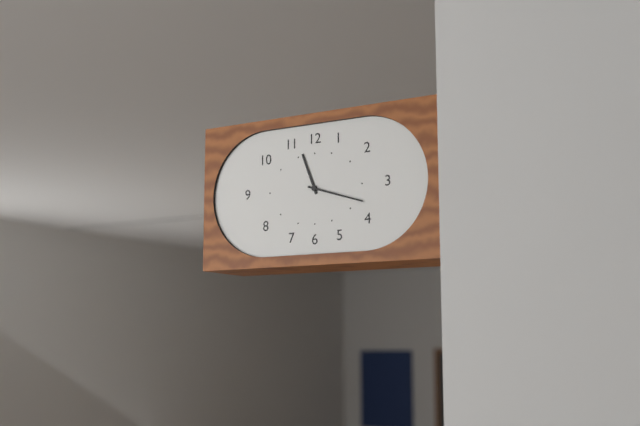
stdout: 11:18
